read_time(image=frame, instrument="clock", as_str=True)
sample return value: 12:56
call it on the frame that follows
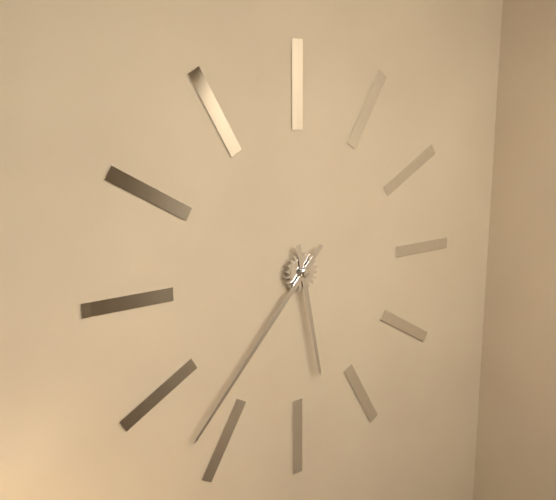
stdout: 5:37
